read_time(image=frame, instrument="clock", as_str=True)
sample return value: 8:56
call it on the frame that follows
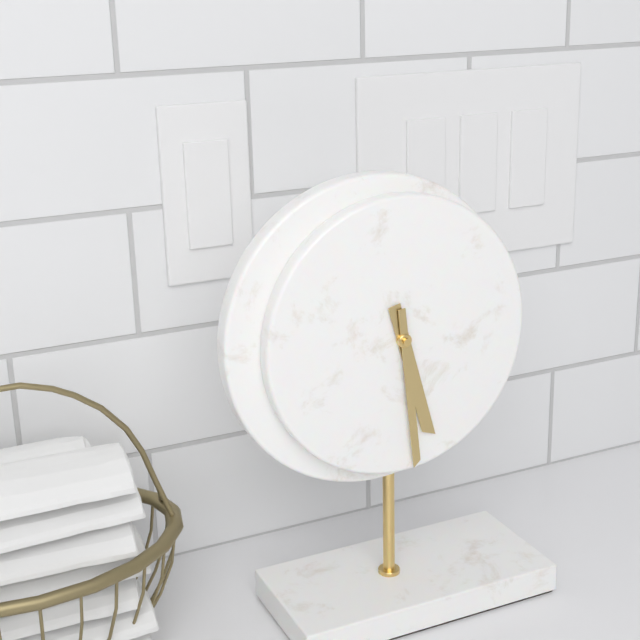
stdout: 5:29
